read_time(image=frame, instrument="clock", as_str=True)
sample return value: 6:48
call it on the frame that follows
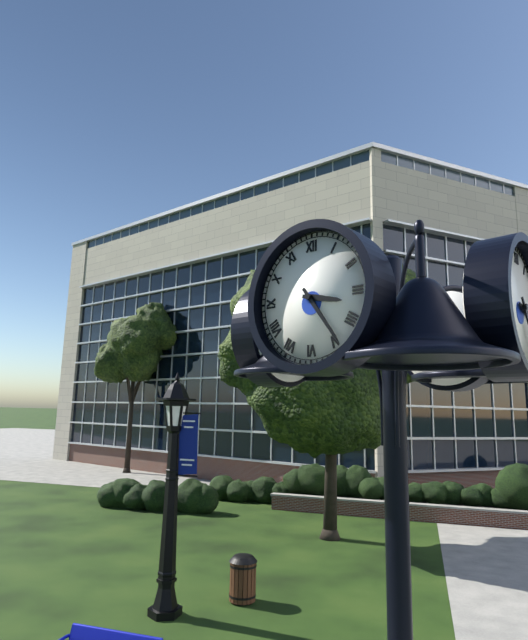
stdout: 3:24
